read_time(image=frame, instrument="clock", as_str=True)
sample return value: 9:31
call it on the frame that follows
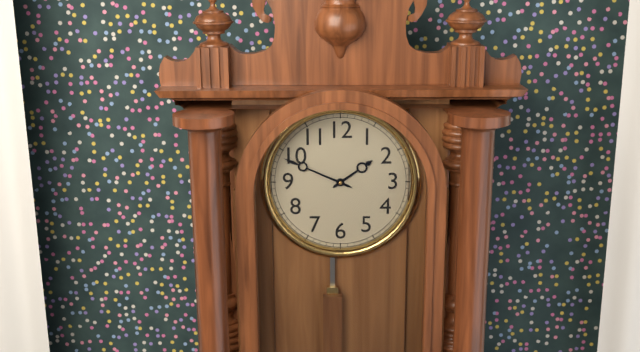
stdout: 1:49
